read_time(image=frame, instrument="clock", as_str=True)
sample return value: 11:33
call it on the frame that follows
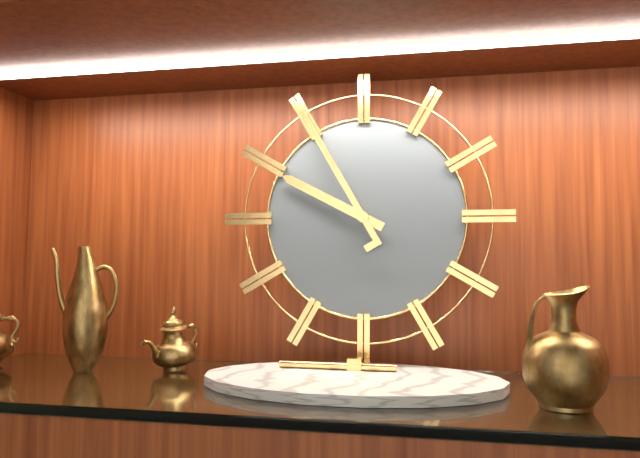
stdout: 9:55
